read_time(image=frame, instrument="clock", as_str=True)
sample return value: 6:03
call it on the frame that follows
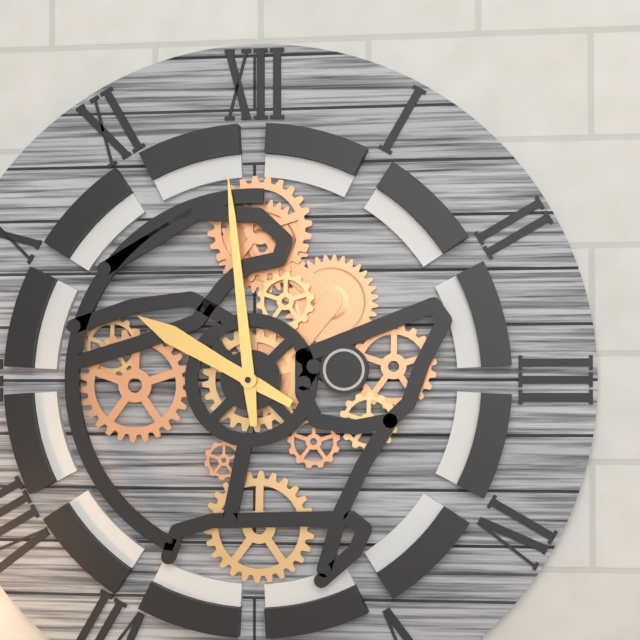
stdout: 9:59
